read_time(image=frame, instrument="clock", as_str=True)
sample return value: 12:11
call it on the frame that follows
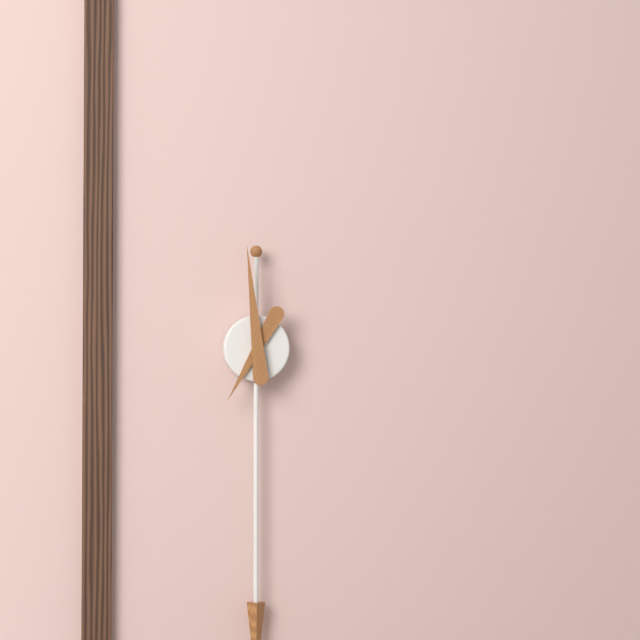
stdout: 6:59
